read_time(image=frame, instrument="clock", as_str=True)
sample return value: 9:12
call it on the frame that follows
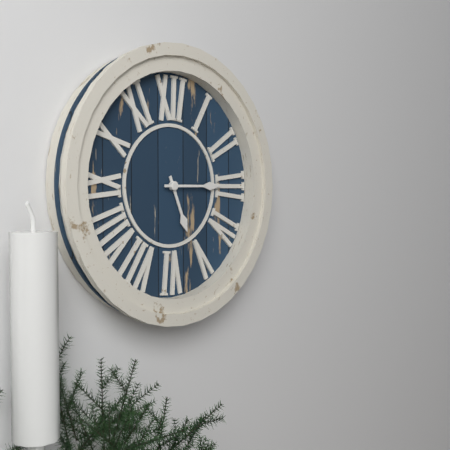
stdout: 5:15
